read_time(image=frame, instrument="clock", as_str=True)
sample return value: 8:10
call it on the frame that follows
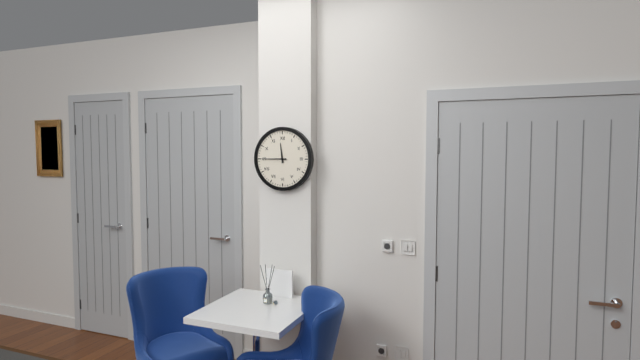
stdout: 11:45
